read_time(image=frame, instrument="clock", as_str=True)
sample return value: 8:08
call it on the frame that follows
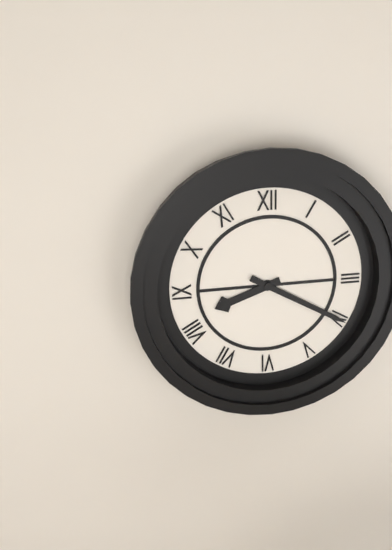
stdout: 8:20
